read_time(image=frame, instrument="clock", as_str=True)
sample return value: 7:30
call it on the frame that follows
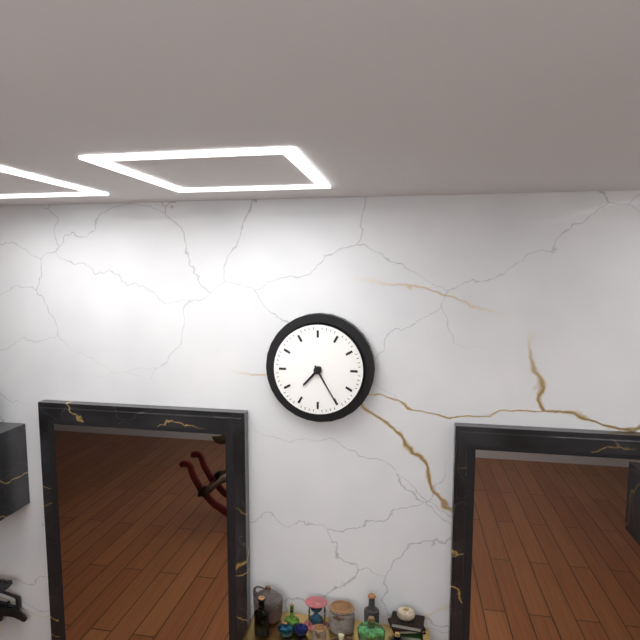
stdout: 7:25
